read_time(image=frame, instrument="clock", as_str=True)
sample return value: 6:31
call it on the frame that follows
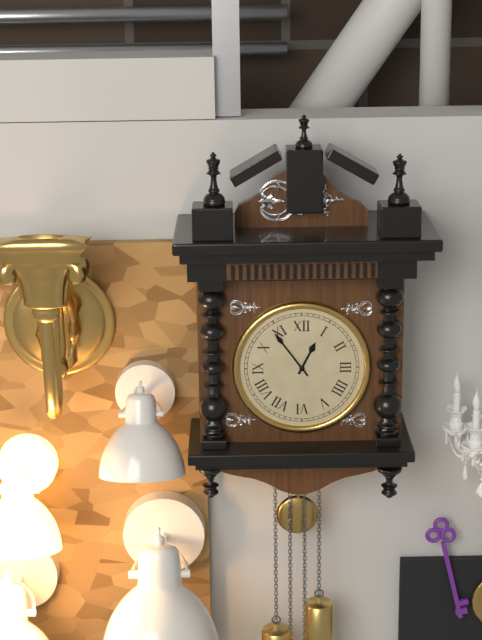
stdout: 12:54
